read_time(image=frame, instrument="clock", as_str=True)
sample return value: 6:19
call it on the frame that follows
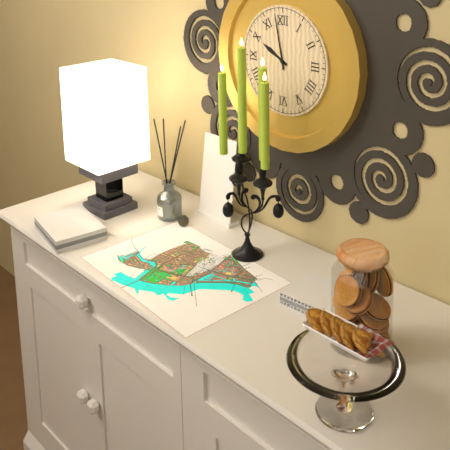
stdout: 9:58
